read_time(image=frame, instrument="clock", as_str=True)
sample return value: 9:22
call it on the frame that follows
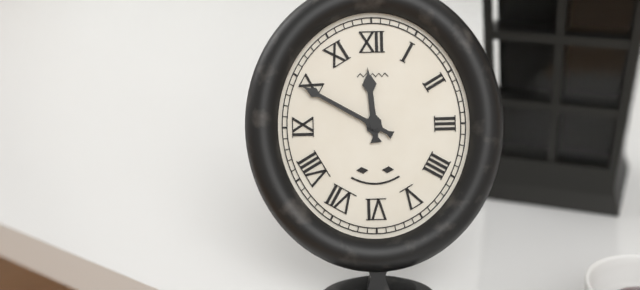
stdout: 11:50
